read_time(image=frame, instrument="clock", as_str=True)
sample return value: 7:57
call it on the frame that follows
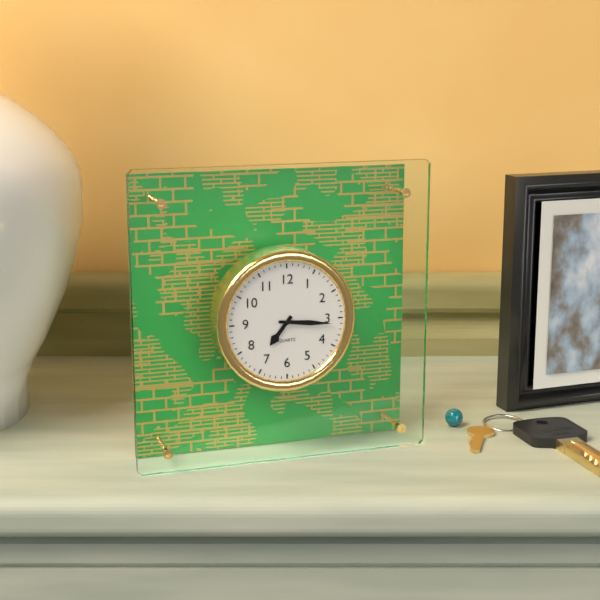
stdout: 7:16
